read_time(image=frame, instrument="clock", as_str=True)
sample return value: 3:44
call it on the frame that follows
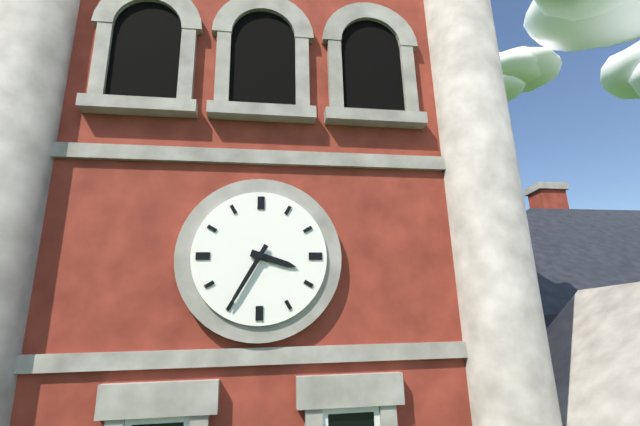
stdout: 3:35
